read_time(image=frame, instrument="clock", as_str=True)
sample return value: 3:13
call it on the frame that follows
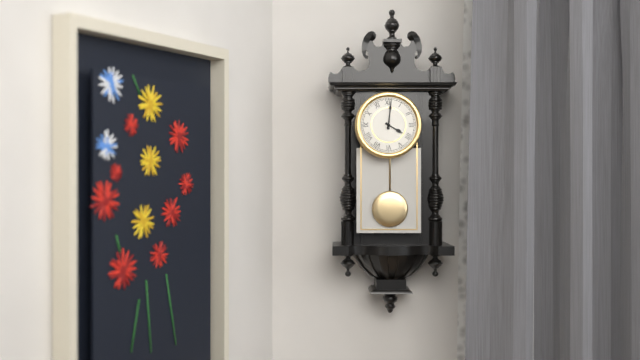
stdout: 4:01
